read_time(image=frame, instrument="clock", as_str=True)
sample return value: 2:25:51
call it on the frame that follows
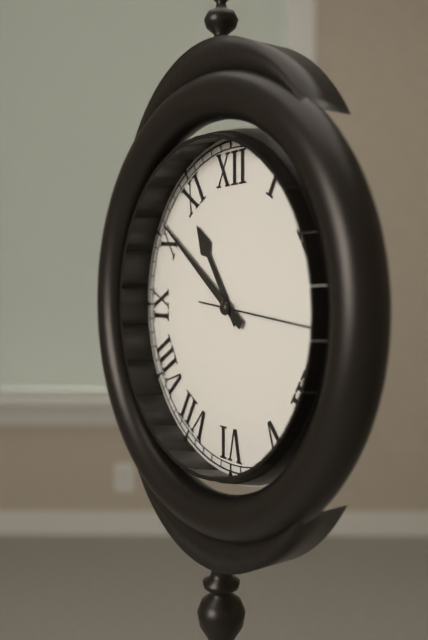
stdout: 10:51:16
